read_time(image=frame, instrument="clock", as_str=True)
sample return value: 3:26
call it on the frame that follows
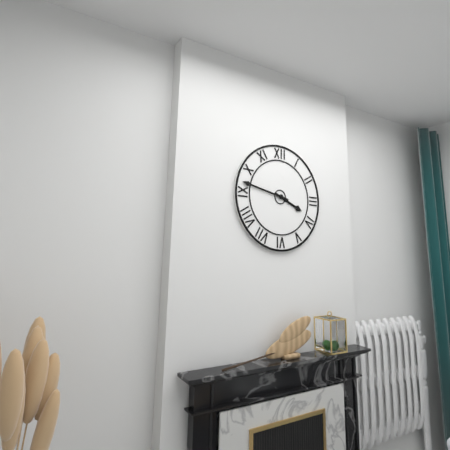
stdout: 3:47
